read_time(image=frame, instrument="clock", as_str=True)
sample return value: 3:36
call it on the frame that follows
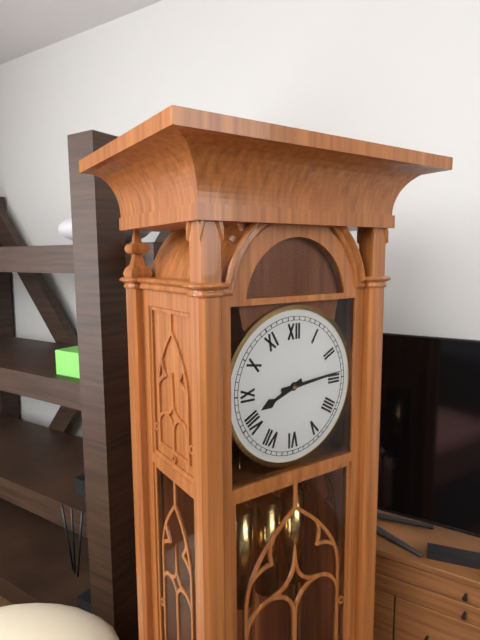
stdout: 8:14
